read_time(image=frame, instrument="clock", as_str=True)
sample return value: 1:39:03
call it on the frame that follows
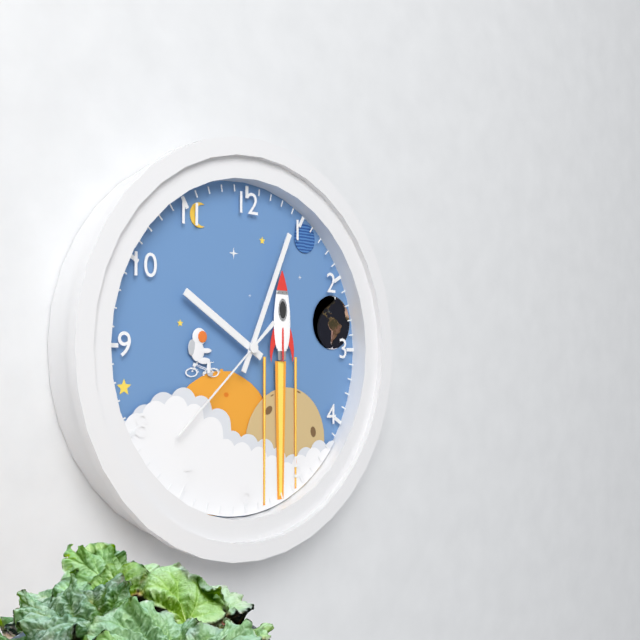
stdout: 10:04:38
